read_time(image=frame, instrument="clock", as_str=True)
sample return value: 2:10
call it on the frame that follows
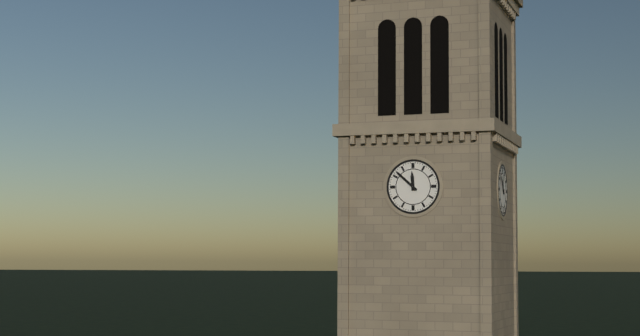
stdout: 11:52
